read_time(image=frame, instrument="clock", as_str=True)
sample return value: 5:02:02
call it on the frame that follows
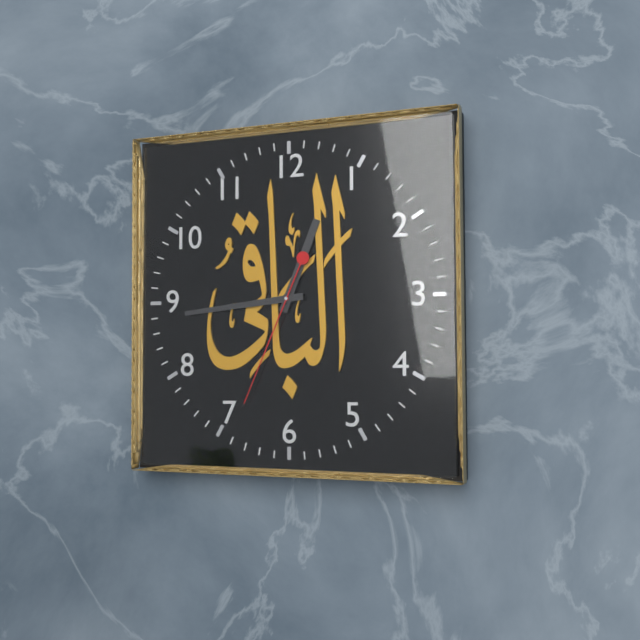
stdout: 12:44:34
